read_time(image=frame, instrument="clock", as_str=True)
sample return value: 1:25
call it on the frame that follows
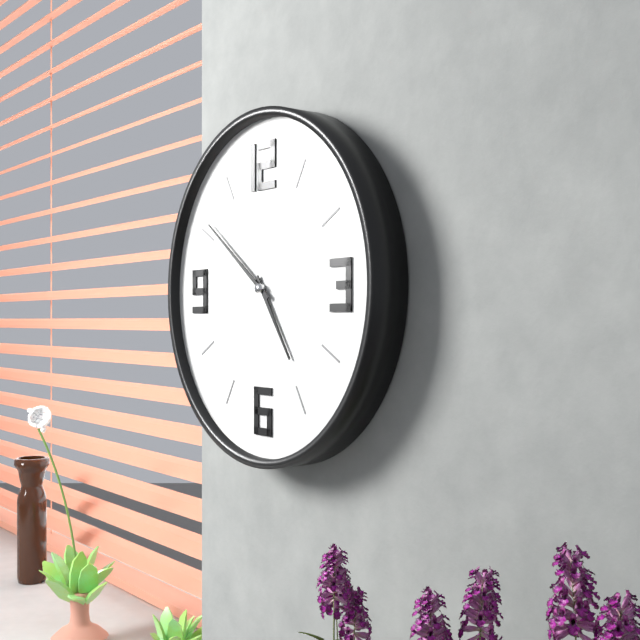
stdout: 4:51
